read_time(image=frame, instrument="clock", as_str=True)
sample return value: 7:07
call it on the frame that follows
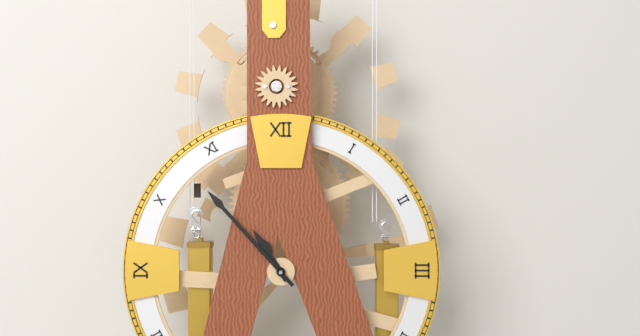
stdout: 10:53
